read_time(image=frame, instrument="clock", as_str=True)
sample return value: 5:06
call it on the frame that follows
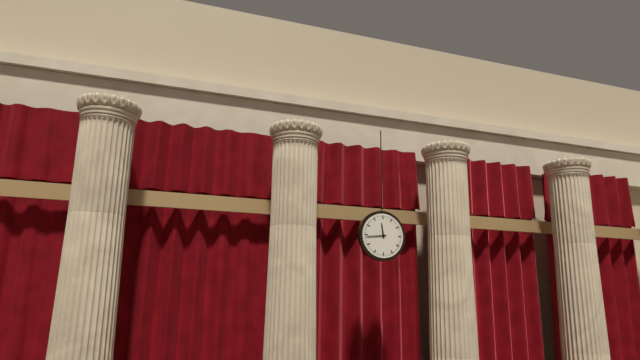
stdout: 11:44
